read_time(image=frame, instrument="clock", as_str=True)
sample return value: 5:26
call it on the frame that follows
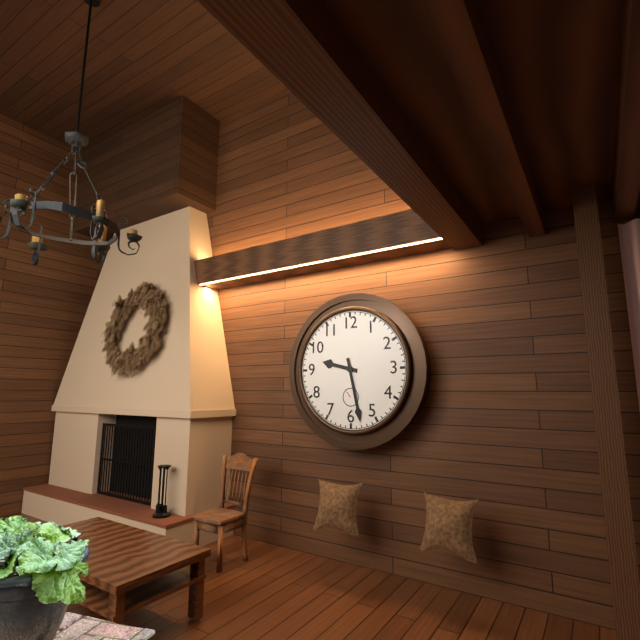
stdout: 9:28
